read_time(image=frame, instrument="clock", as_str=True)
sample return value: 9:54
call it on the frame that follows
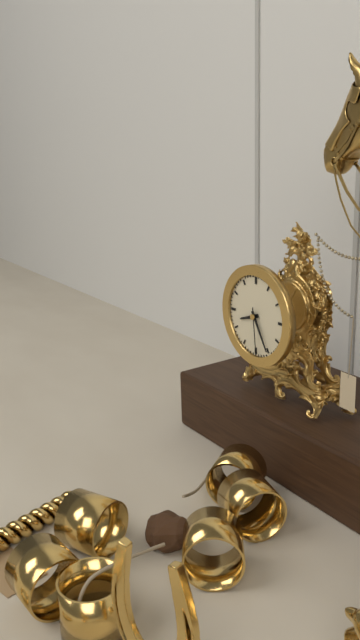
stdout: 8:25
